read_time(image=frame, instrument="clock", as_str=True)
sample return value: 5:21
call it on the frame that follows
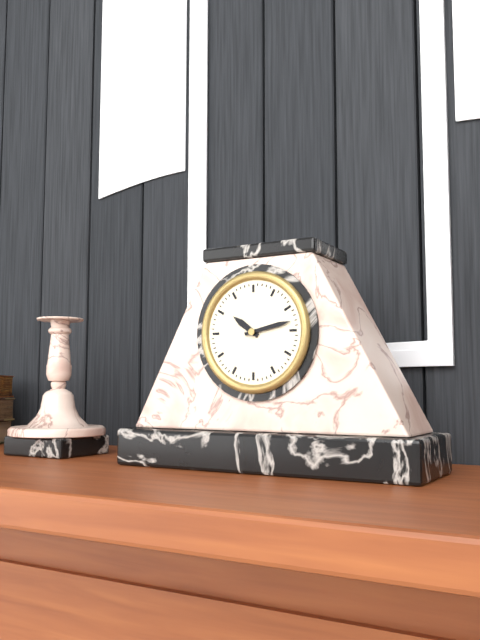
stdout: 10:13
